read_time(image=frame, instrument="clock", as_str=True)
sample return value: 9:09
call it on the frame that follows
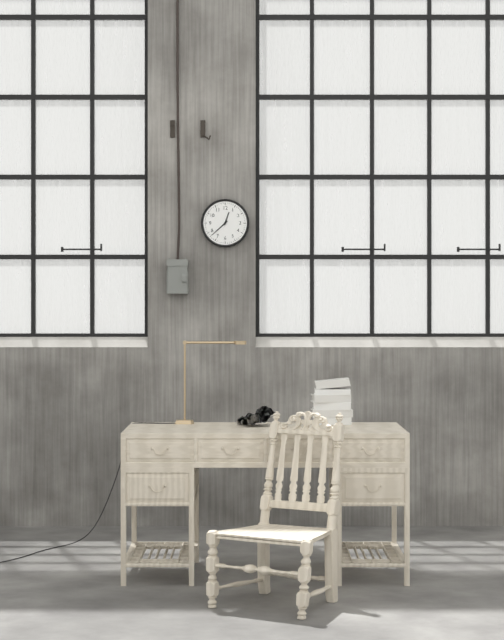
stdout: 12:38
